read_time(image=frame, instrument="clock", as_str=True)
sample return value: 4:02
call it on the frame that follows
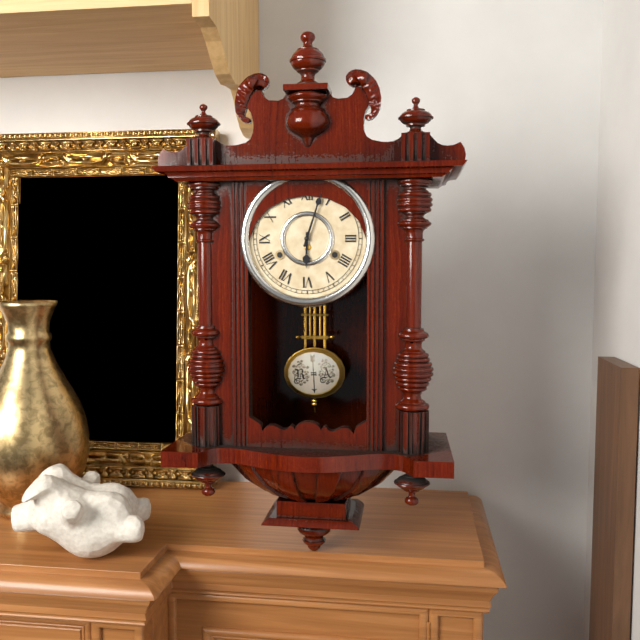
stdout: 6:03
